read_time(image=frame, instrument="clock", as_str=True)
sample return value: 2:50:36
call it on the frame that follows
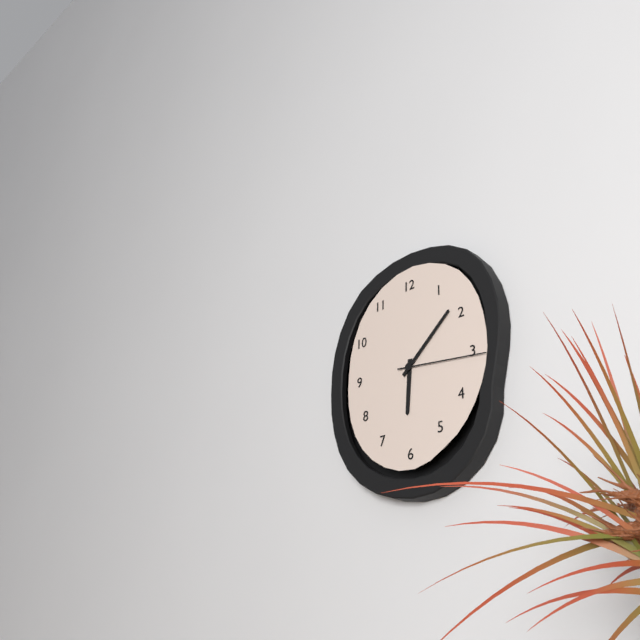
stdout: 6:08:16
